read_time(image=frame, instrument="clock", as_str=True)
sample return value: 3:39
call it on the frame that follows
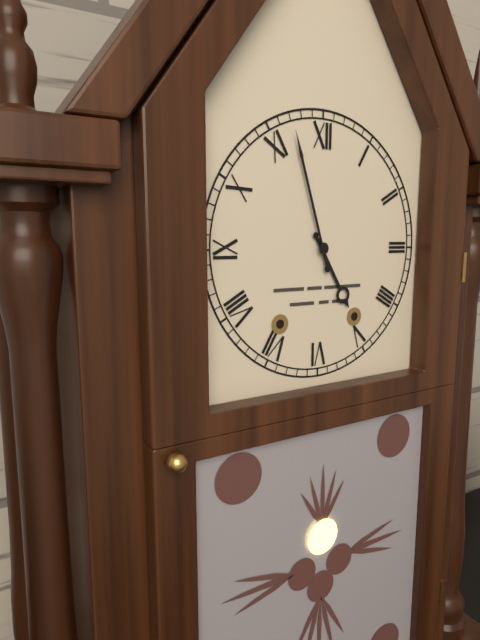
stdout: 4:57
